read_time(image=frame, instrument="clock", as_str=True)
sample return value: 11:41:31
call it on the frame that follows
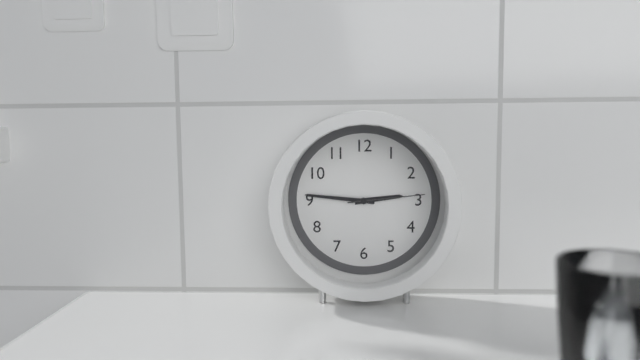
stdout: 2:46:14
